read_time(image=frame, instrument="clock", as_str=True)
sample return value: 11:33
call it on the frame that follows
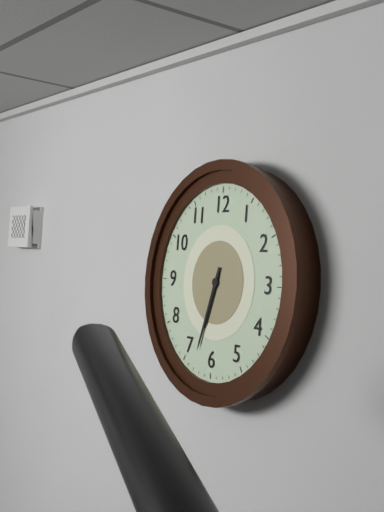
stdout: 6:33
